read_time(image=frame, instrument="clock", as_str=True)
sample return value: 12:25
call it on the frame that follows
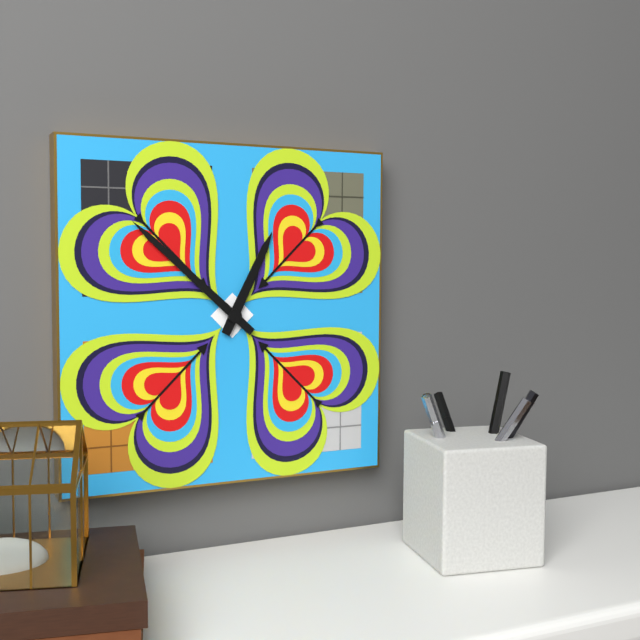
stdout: 12:52
